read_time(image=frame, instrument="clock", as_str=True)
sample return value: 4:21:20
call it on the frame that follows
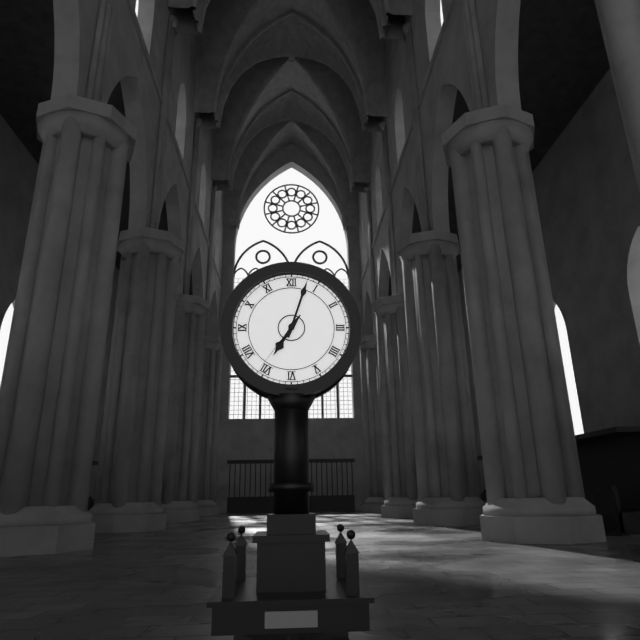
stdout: 7:03:36
